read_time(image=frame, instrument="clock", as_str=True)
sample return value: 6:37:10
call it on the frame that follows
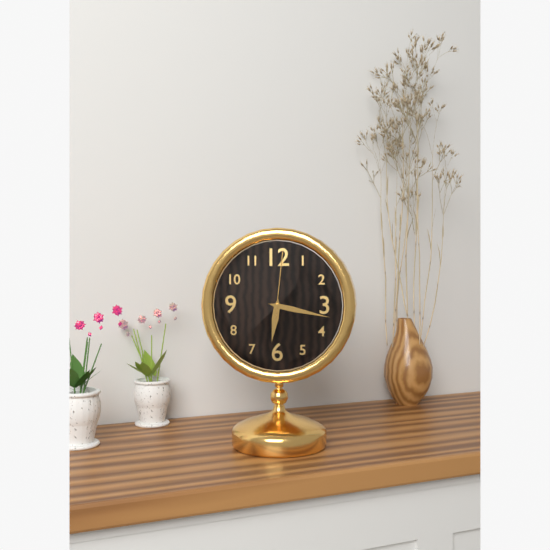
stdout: 6:17:01
